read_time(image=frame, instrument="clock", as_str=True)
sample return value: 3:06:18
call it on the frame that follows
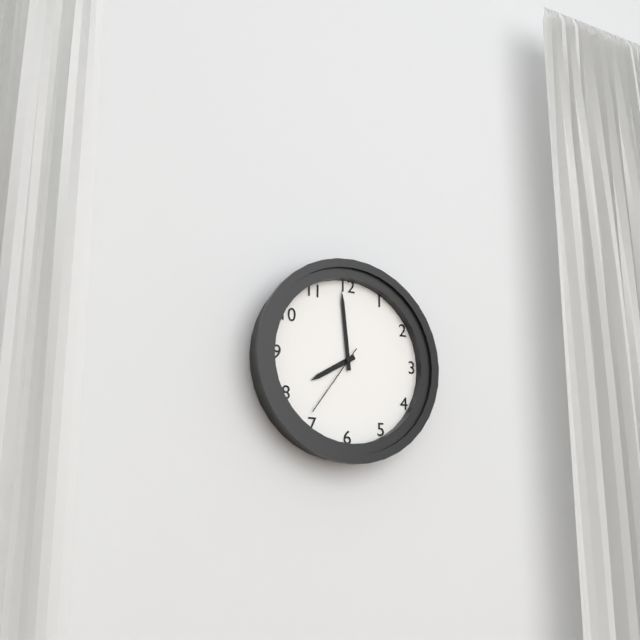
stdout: 7:59:36
